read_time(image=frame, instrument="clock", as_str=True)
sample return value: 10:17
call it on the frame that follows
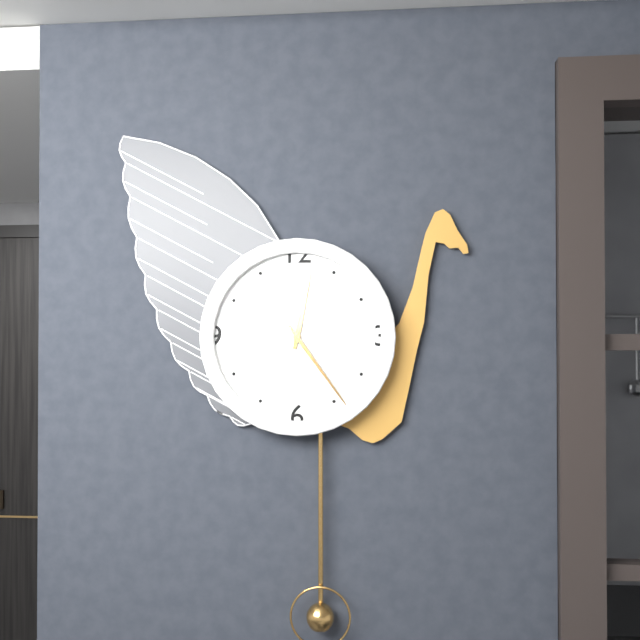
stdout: 12:24
